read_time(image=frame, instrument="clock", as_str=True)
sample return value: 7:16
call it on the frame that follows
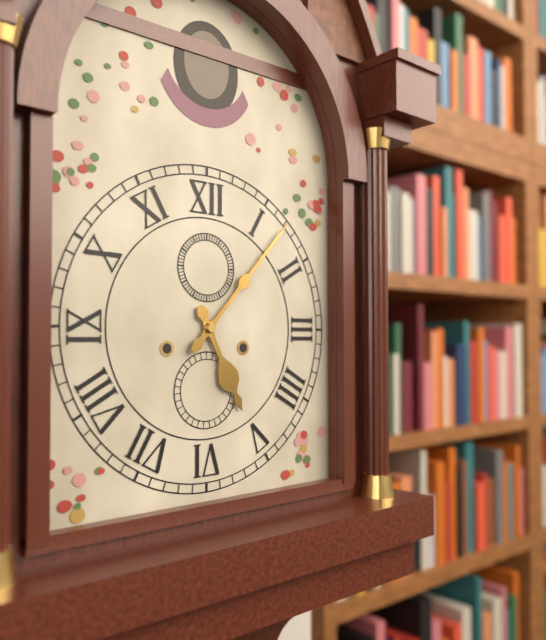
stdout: 5:07
